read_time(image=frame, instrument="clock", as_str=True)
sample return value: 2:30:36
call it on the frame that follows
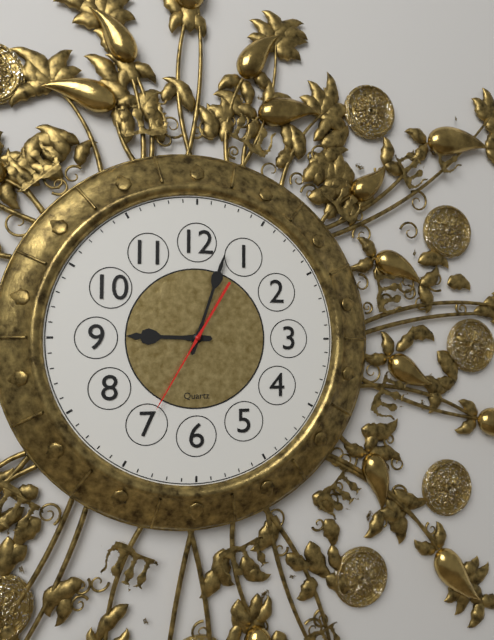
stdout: 9:03:35
